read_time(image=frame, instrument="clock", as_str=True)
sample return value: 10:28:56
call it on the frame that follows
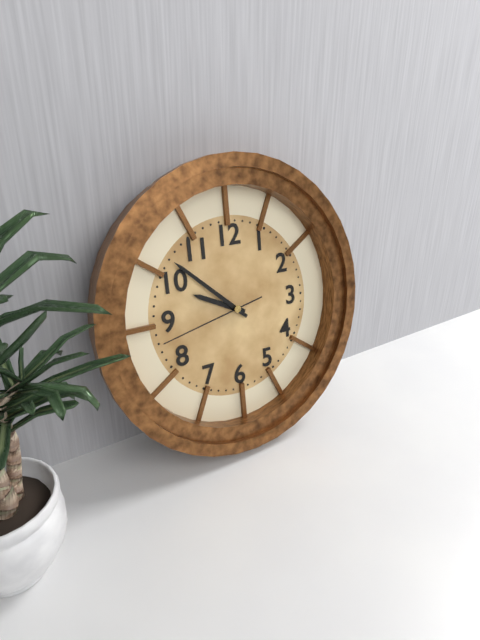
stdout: 9:52:43
